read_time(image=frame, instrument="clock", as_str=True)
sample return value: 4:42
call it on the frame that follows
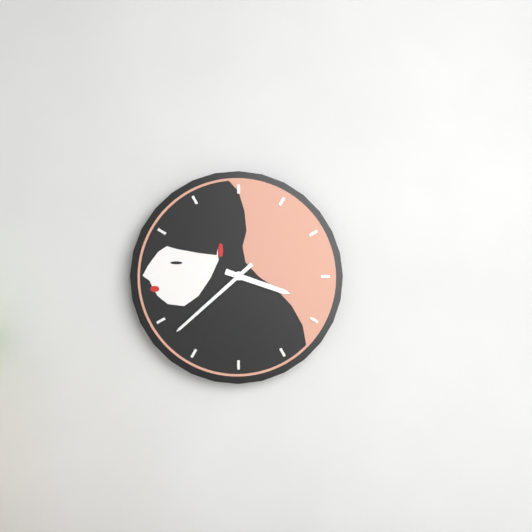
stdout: 3:38
